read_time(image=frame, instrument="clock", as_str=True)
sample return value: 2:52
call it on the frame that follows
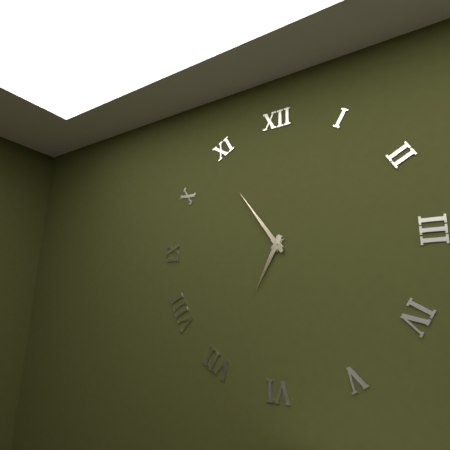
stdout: 6:54
